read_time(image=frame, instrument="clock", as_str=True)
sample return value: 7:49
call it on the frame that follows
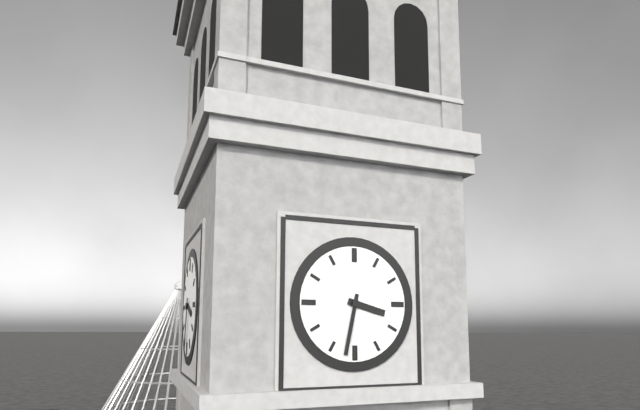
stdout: 3:32
